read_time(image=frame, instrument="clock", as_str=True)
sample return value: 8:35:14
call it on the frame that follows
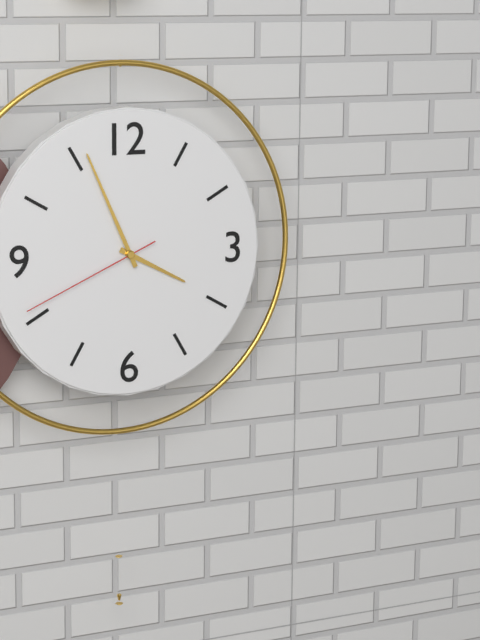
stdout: 3:56:41
